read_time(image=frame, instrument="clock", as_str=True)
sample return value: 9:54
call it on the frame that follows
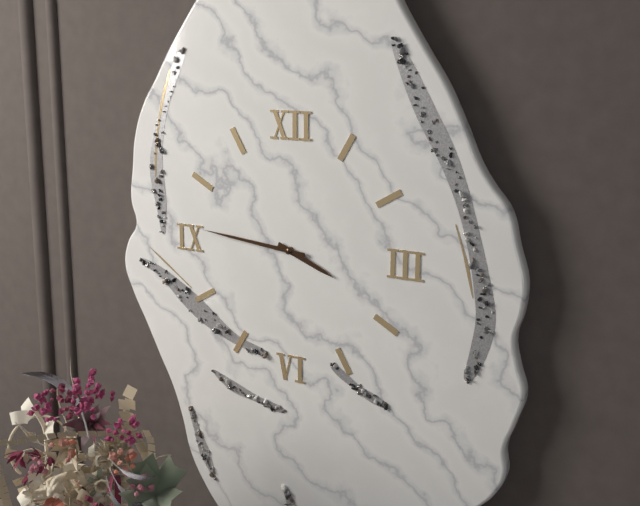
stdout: 3:46
